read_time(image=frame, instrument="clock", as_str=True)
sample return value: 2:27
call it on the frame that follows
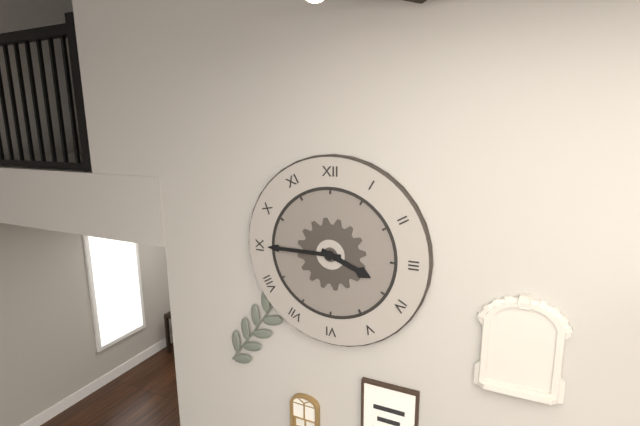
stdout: 3:45
